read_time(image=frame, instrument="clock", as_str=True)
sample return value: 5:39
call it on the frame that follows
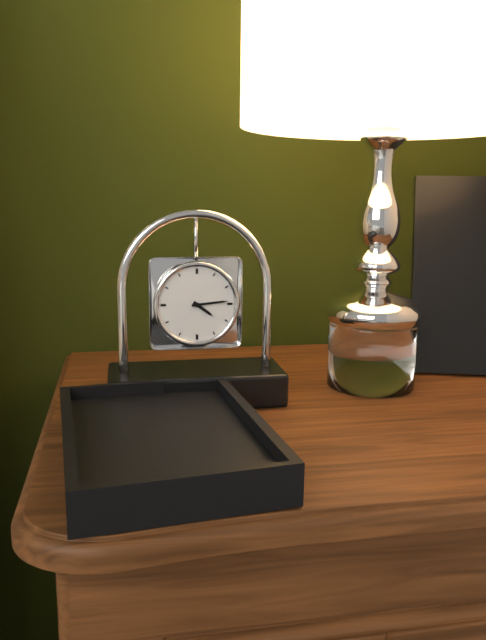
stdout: 4:14
